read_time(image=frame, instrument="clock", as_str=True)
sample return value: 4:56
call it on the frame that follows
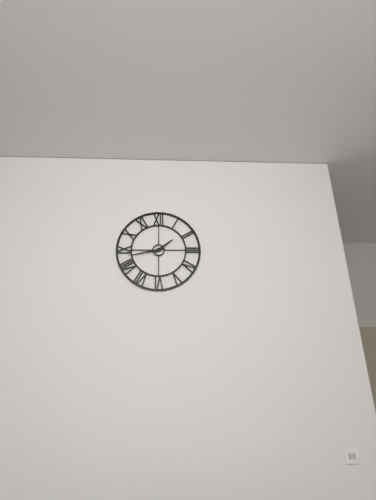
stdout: 1:43
